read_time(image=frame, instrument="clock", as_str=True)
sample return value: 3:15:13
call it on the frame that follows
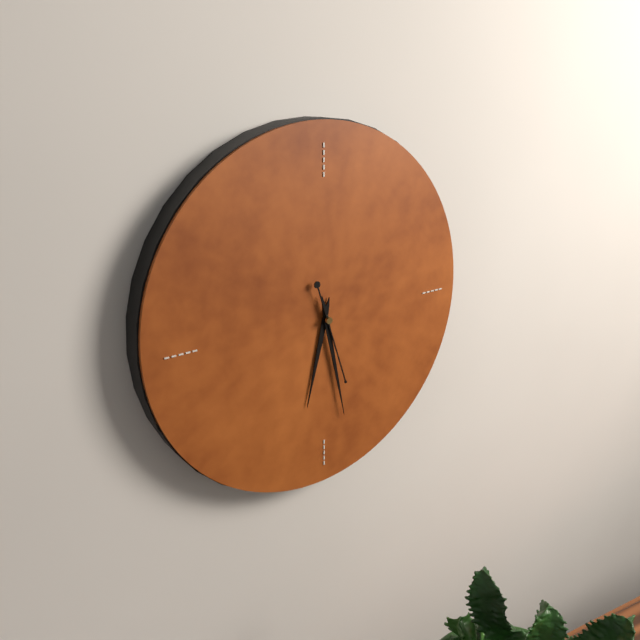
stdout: 6:28:27
